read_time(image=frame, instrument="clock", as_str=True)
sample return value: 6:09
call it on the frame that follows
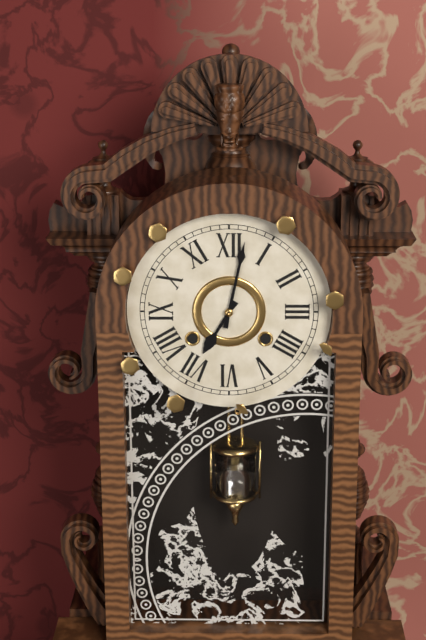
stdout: 7:02
